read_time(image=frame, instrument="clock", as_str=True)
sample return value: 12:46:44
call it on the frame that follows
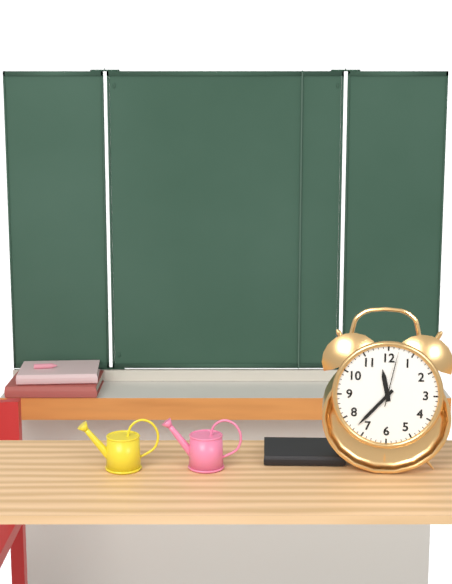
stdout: 11:37:02
